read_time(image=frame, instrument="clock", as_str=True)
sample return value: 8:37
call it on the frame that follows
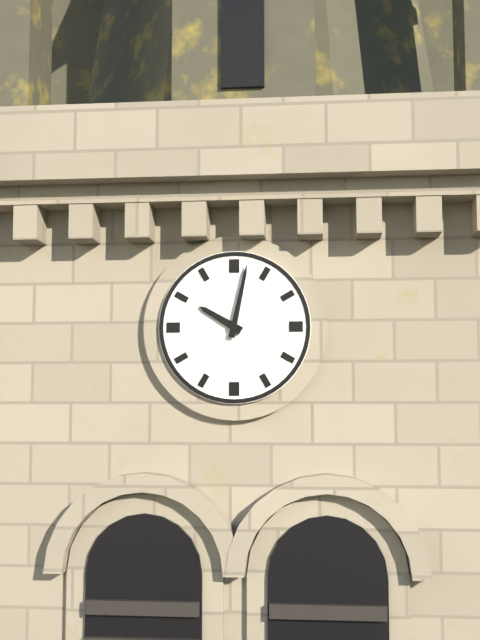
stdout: 10:02
